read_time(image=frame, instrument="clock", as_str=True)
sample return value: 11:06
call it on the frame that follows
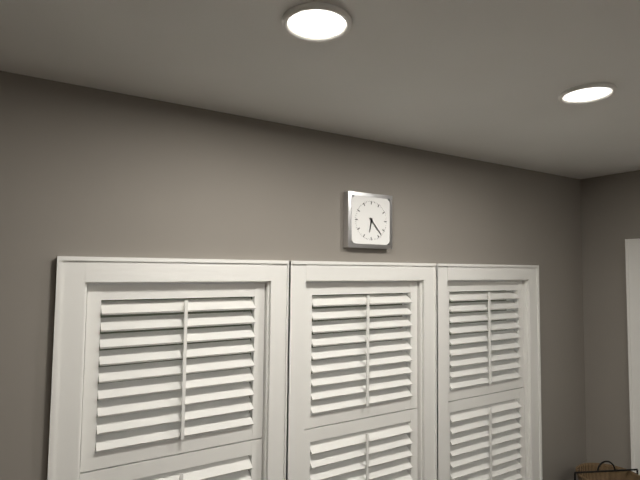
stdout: 6:23
